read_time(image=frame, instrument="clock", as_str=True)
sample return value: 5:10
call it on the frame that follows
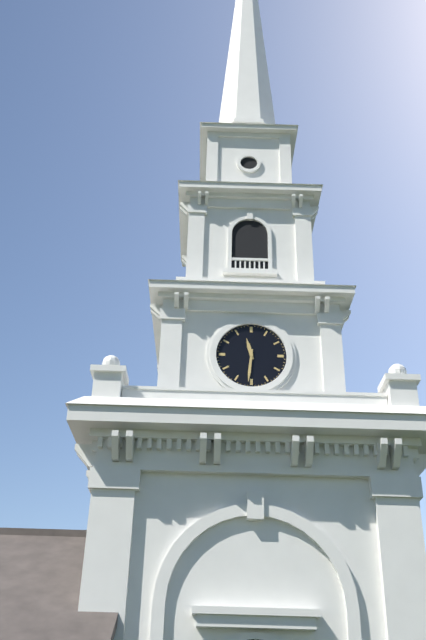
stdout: 11:31
